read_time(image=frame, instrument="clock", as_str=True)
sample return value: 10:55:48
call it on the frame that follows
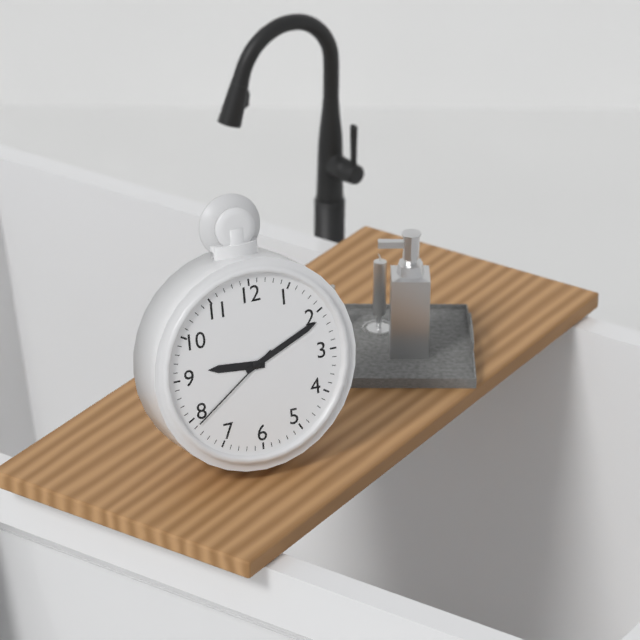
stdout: 9:11:39
